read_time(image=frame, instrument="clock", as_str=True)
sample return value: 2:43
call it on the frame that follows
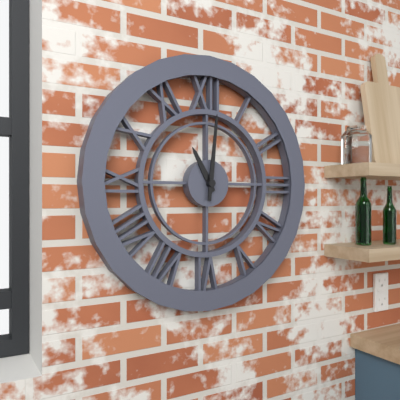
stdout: 11:01
